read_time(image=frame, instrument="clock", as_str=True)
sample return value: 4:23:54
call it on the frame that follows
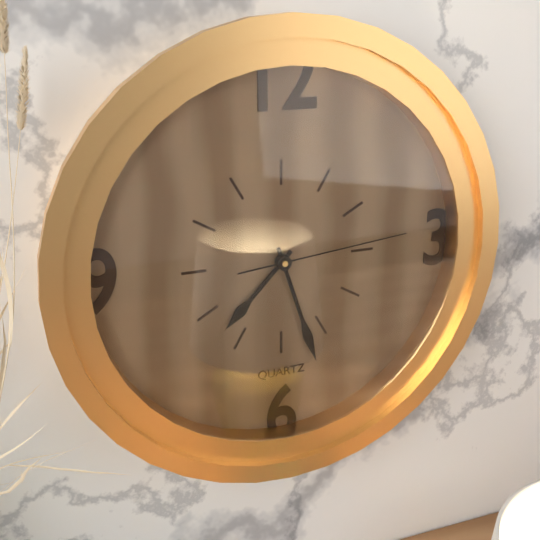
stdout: 7:27:14
